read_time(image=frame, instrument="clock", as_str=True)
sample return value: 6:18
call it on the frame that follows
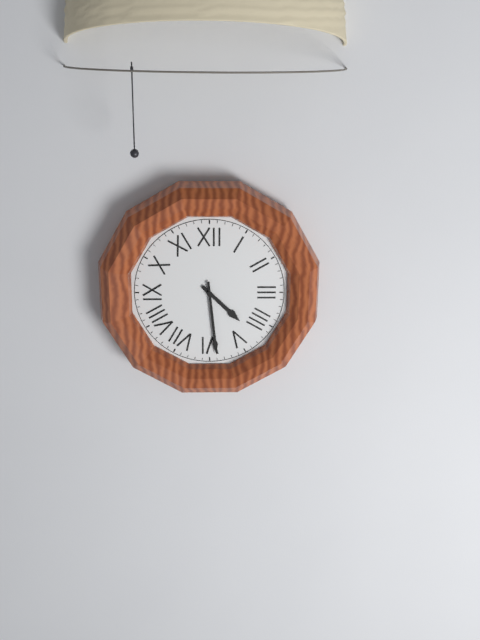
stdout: 4:29
